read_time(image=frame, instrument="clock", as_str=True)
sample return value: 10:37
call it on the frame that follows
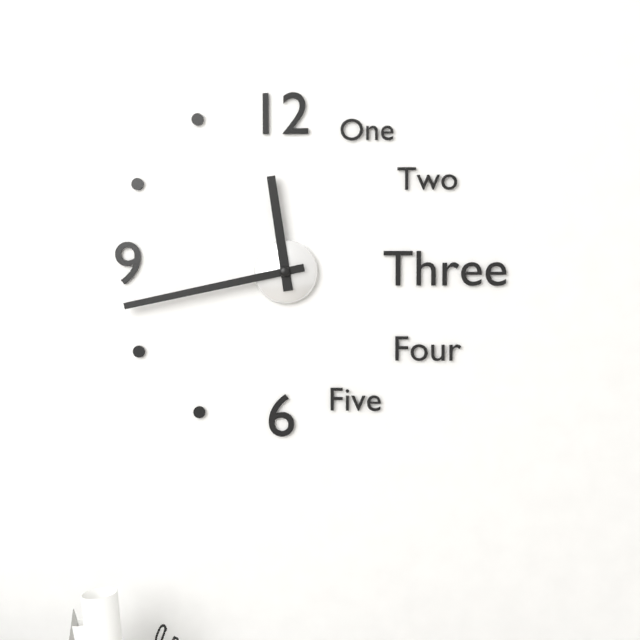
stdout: 11:43
